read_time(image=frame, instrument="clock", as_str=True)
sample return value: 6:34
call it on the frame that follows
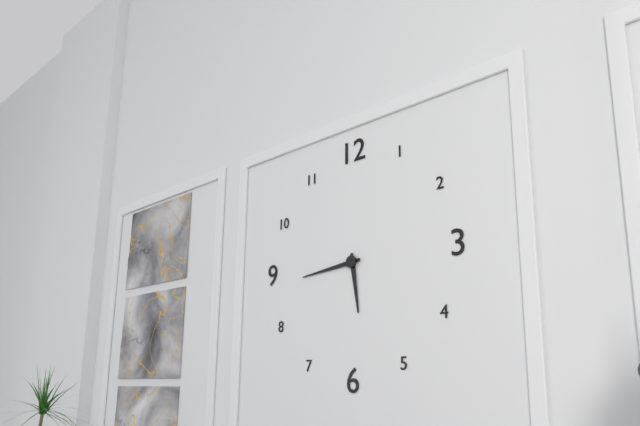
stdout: 5:44
